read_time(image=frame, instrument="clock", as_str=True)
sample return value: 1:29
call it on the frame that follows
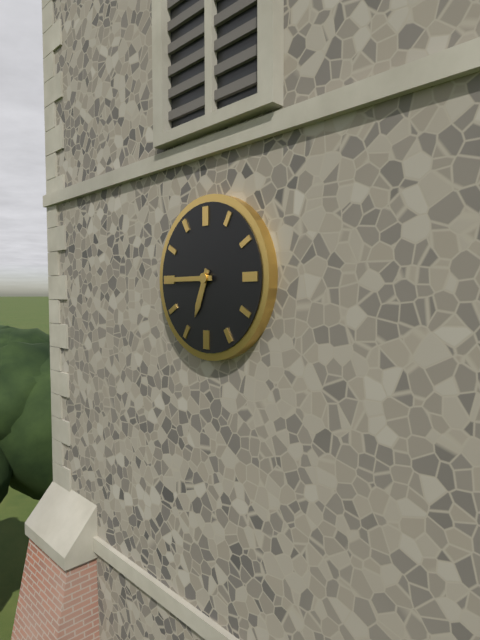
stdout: 6:45
